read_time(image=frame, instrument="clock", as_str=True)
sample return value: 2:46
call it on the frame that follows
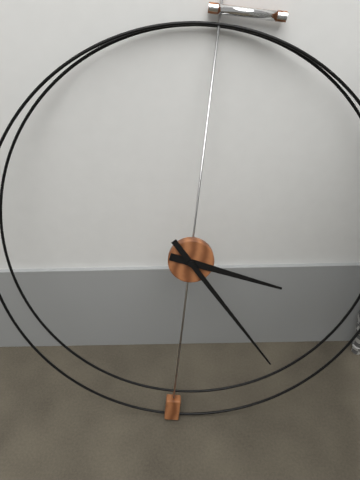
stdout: 3:23
